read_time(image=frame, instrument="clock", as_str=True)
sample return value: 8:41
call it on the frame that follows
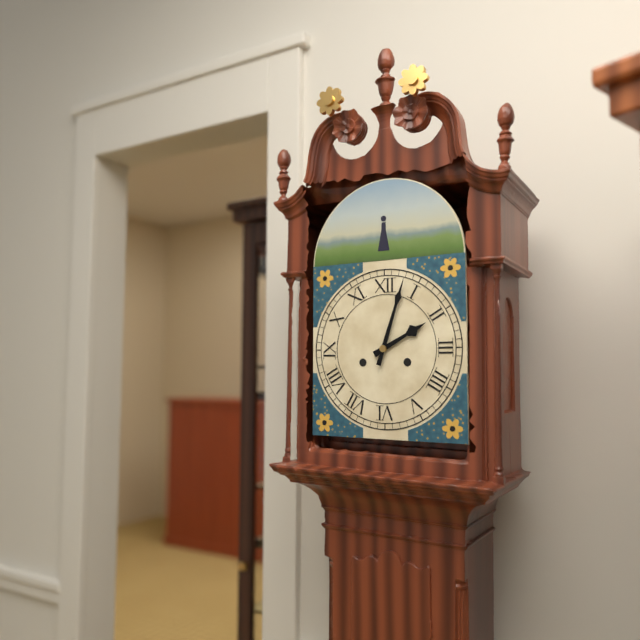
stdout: 2:03
